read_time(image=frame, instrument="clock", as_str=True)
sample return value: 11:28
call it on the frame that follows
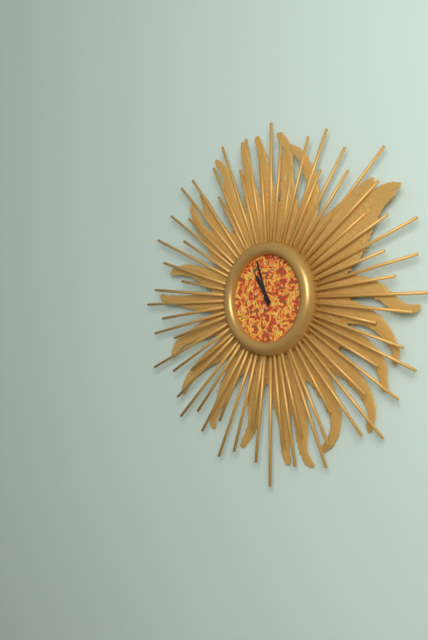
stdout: 10:57
